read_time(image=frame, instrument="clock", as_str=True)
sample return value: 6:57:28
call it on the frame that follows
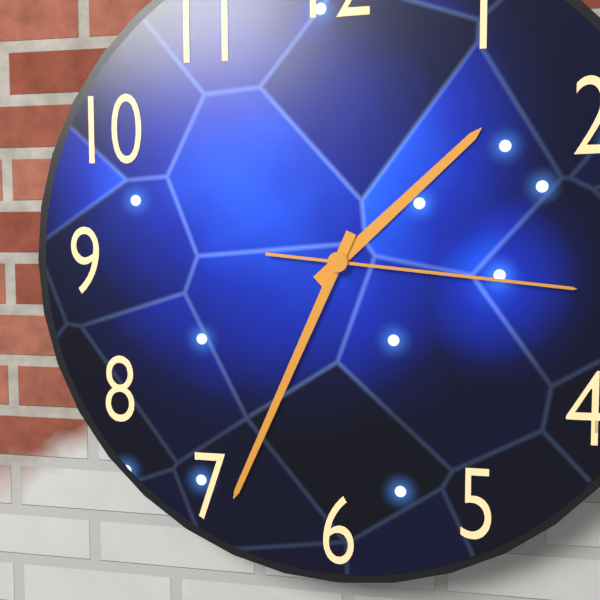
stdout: 1:34:16
